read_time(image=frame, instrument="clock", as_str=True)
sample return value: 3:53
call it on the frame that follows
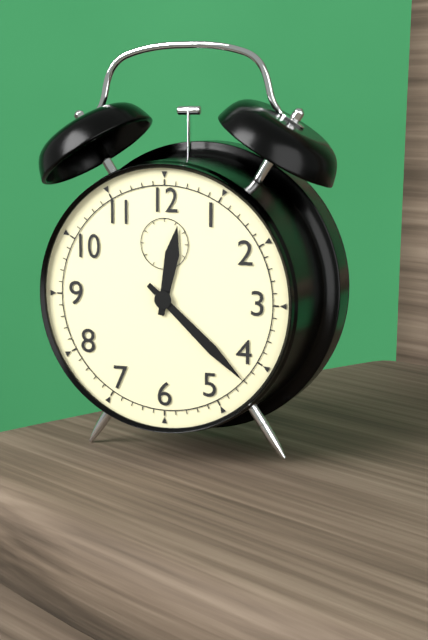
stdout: 12:22
